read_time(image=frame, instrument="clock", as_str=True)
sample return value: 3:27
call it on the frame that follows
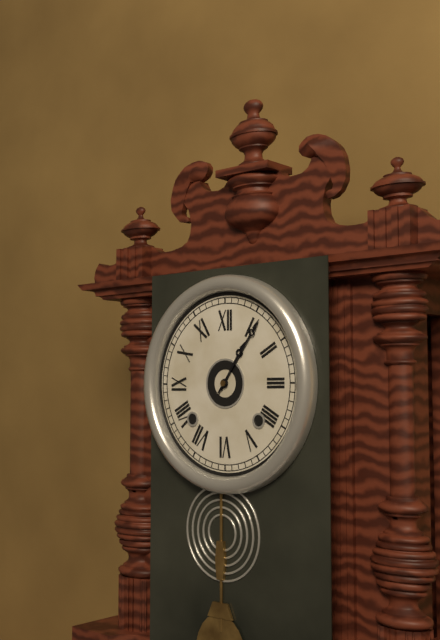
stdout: 1:06
